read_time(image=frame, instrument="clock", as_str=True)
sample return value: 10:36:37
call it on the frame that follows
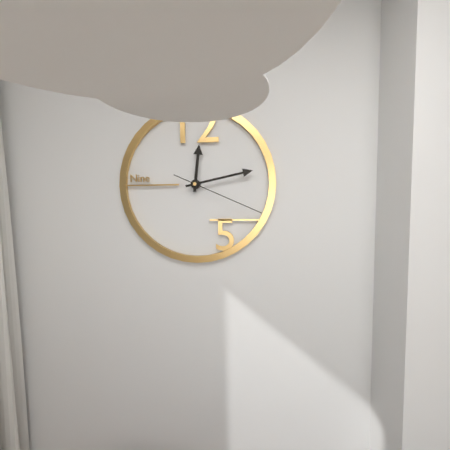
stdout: 12:13:19
